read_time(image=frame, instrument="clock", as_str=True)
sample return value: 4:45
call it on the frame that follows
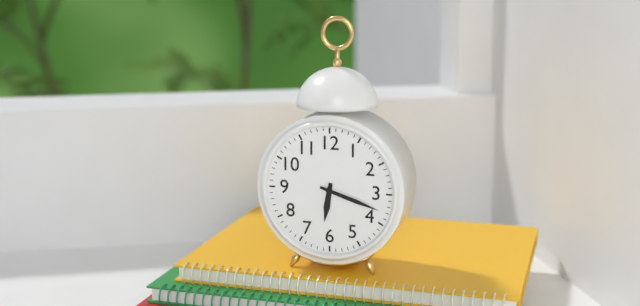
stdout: 6:18
